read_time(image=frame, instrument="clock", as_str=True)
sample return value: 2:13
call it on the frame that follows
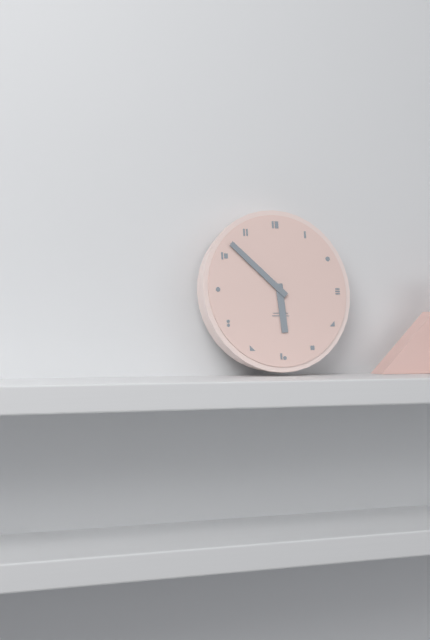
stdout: 5:52
